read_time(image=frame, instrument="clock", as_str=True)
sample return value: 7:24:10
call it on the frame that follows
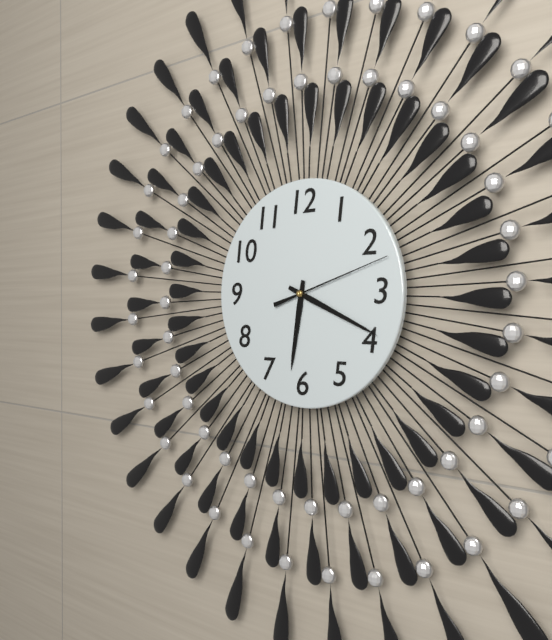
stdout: 6:19:12
